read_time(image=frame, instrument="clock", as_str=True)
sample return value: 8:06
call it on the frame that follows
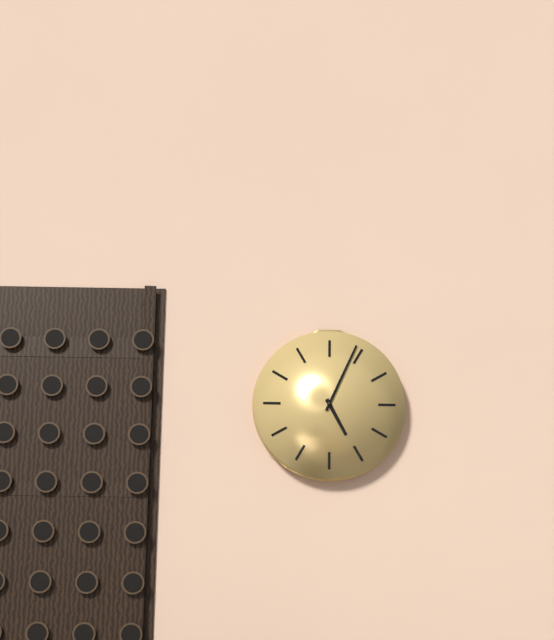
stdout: 5:04
